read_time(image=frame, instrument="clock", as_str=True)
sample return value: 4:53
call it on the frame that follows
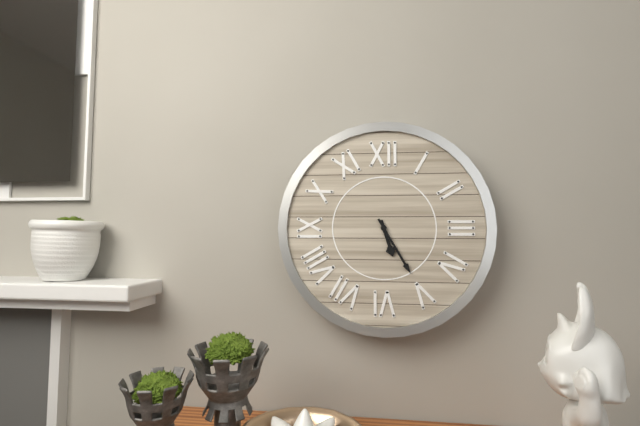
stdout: 5:25
